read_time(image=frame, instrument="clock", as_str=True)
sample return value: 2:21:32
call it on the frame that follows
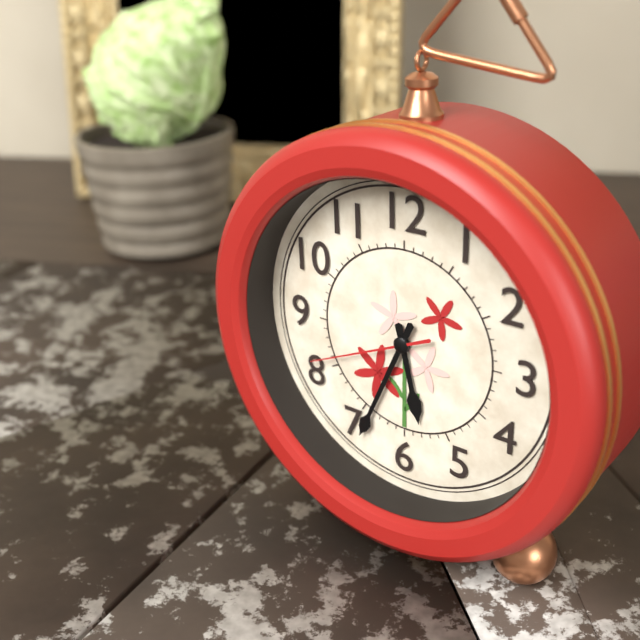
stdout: 5:34:41
